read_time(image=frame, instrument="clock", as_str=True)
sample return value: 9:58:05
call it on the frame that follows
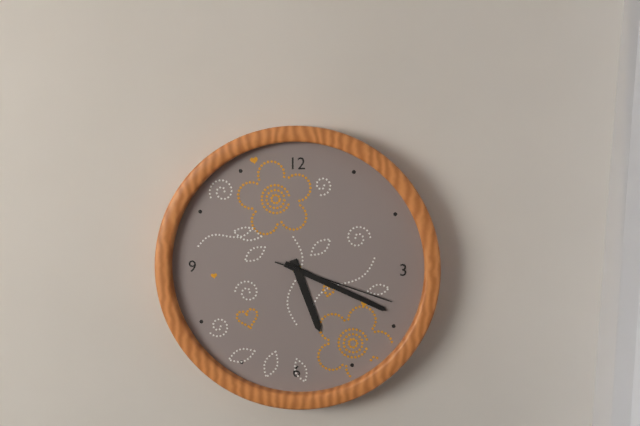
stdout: 5:19:18
